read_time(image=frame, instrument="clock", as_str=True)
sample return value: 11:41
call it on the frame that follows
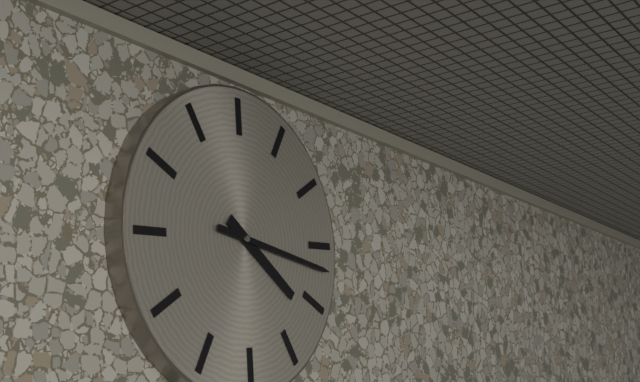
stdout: 4:17
